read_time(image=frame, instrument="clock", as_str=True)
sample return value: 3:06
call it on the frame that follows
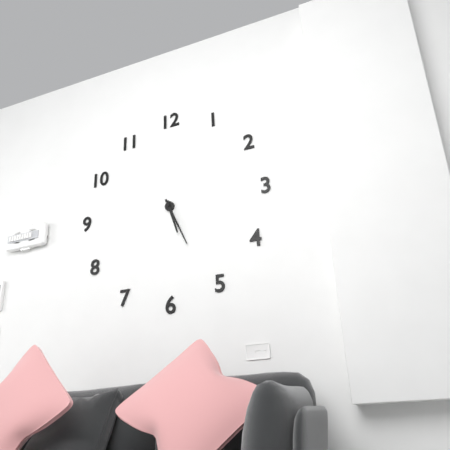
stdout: 5:26
